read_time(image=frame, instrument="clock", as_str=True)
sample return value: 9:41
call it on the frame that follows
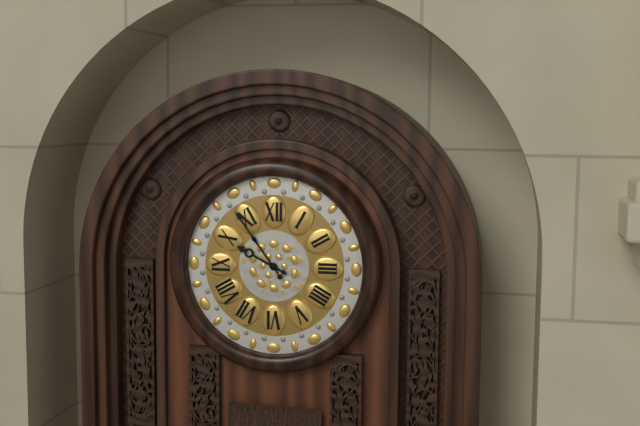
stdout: 9:54
